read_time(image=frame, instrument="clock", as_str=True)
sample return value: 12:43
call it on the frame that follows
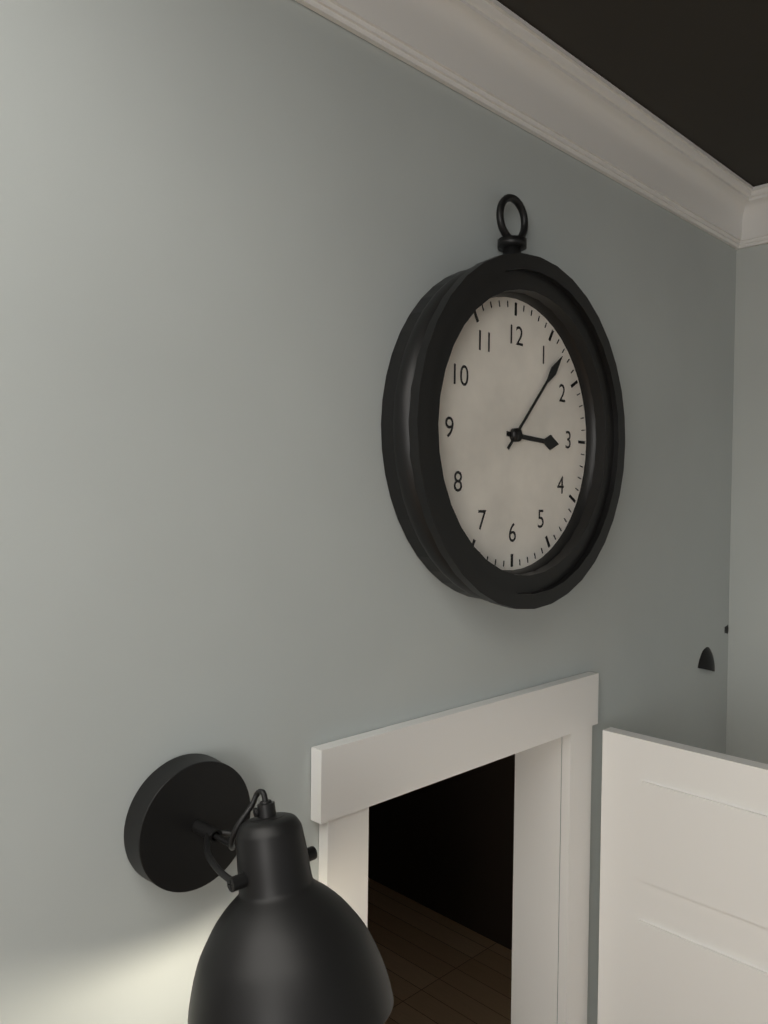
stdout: 3:07
